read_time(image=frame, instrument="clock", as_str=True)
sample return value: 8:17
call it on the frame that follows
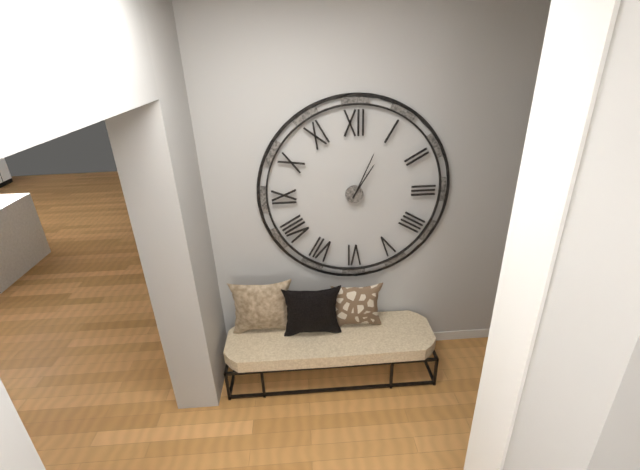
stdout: 1:04
